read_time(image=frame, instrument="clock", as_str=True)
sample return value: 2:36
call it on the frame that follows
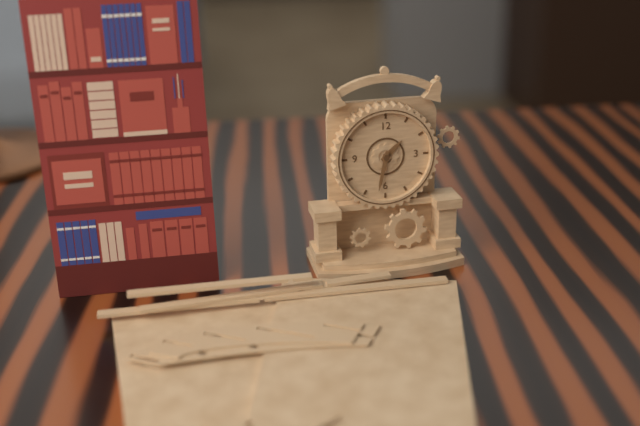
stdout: 1:32
